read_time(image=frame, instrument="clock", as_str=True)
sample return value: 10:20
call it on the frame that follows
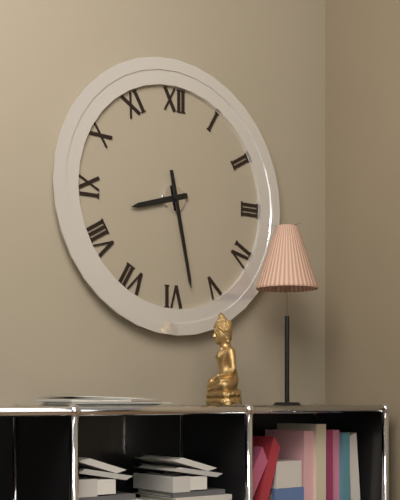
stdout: 8:28
